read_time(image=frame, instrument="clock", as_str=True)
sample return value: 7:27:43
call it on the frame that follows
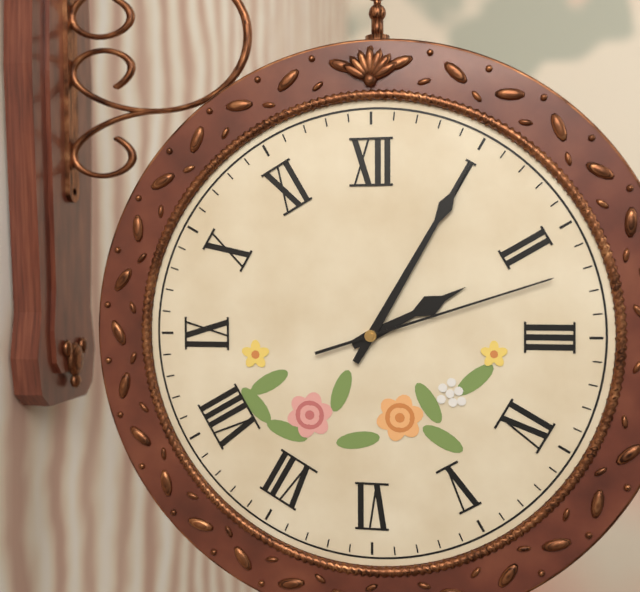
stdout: 2:05:12
